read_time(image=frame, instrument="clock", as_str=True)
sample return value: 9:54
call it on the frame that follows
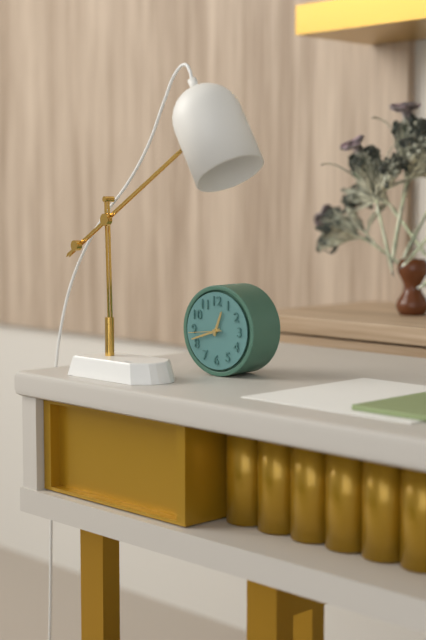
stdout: 12:42
